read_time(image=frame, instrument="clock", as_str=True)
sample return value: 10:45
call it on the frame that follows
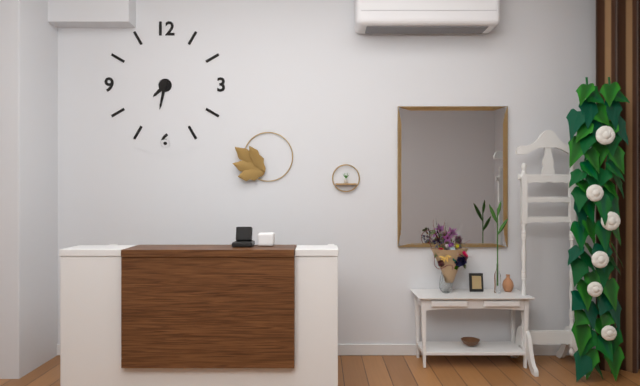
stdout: 7:32
